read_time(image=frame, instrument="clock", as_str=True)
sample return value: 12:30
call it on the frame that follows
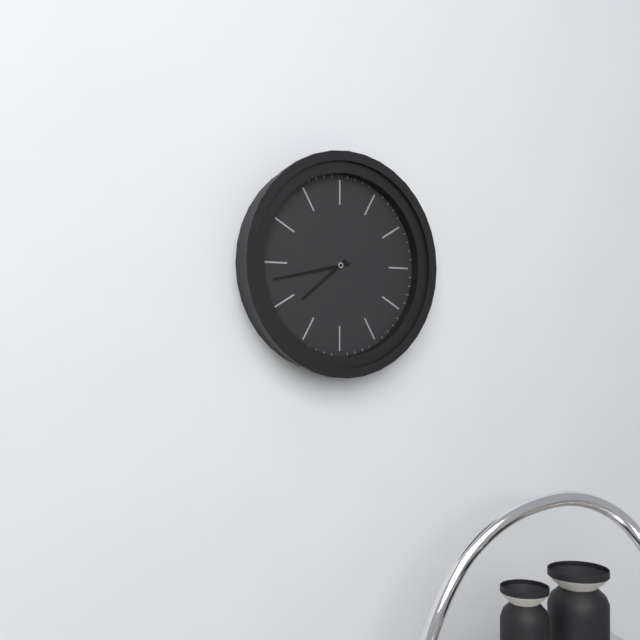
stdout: 7:43
